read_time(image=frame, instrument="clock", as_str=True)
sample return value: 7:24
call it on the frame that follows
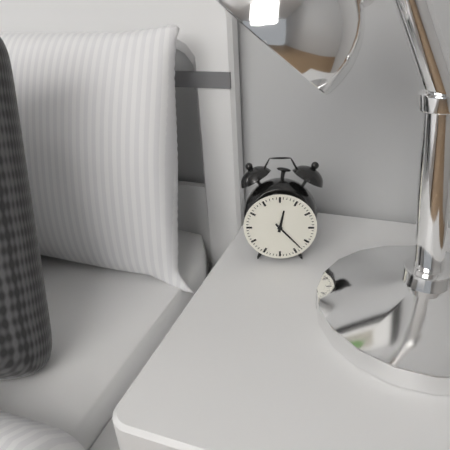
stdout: 12:23
